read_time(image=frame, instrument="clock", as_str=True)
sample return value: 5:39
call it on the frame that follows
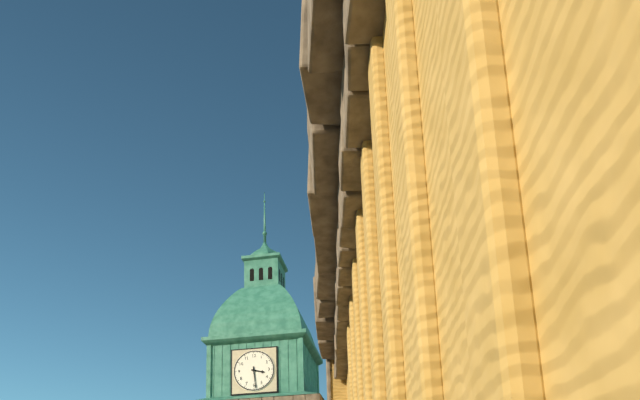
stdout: 3:29
